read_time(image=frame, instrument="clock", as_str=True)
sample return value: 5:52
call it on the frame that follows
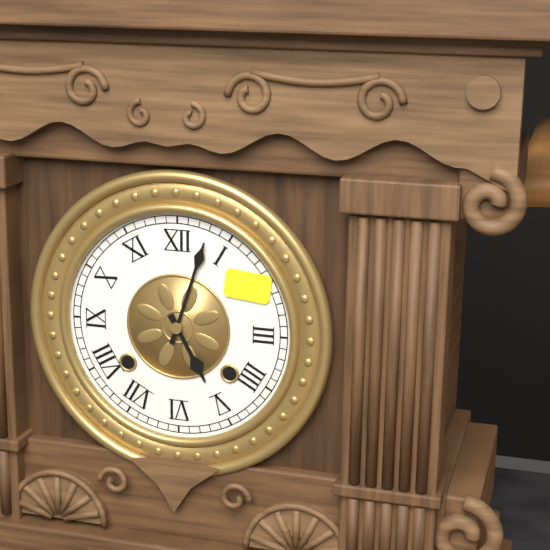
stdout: 5:03
